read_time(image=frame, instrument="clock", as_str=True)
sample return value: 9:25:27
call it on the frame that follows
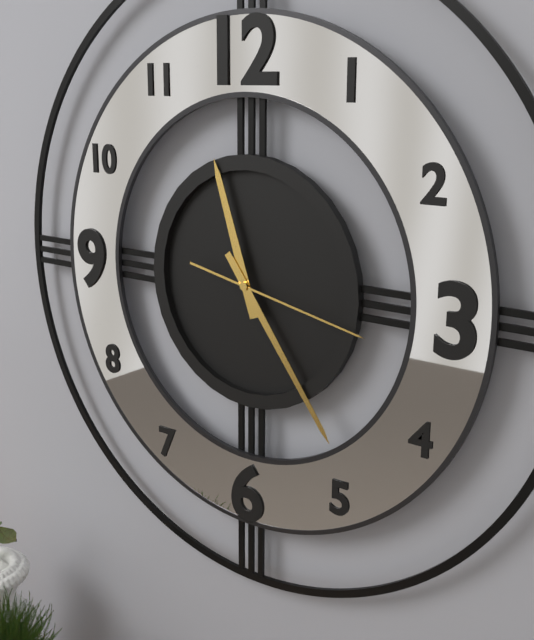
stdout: 11:24:17
